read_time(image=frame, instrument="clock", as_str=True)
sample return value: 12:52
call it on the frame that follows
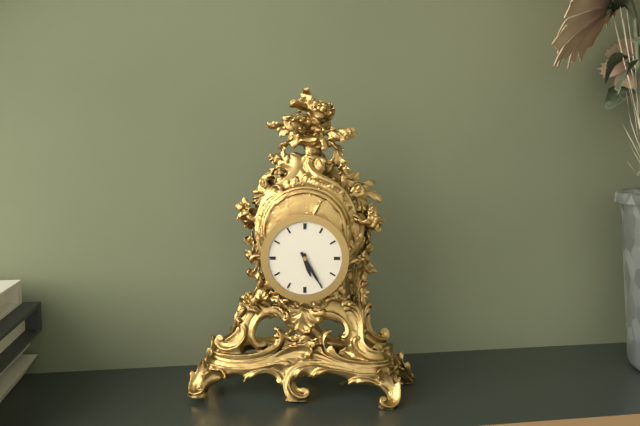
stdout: 5:25
